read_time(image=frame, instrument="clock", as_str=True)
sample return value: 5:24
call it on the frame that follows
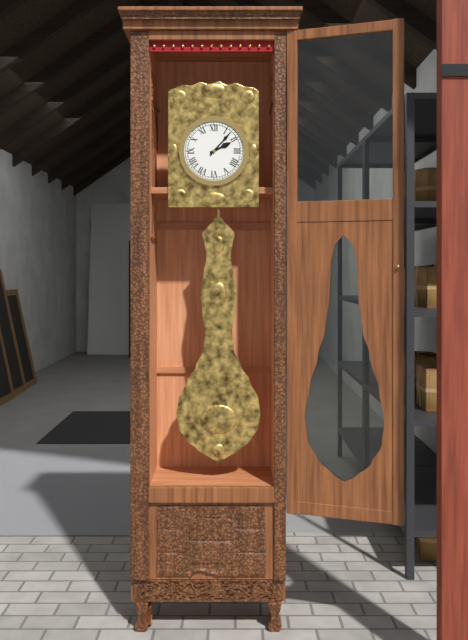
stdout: 2:07
